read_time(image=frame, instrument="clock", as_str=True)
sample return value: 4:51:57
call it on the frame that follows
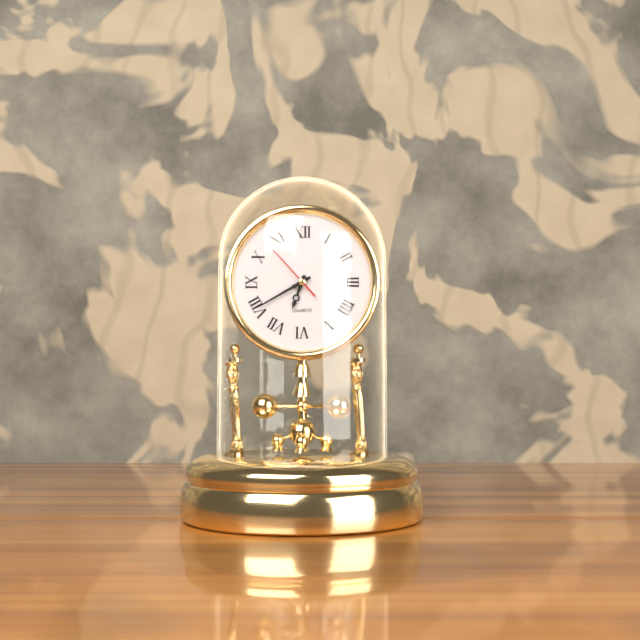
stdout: 6:40:53
